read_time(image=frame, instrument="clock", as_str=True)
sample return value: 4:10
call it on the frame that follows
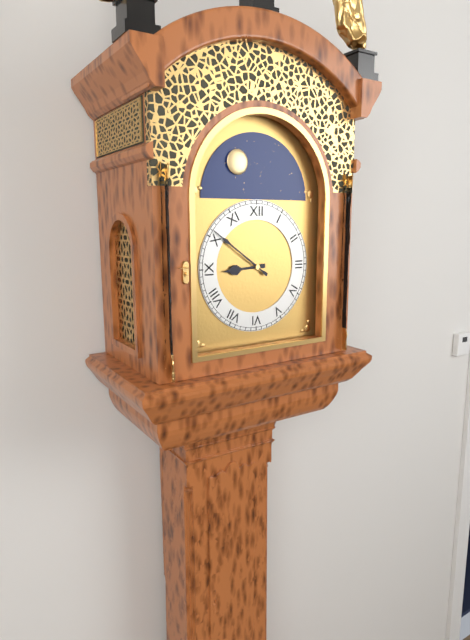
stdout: 8:51
